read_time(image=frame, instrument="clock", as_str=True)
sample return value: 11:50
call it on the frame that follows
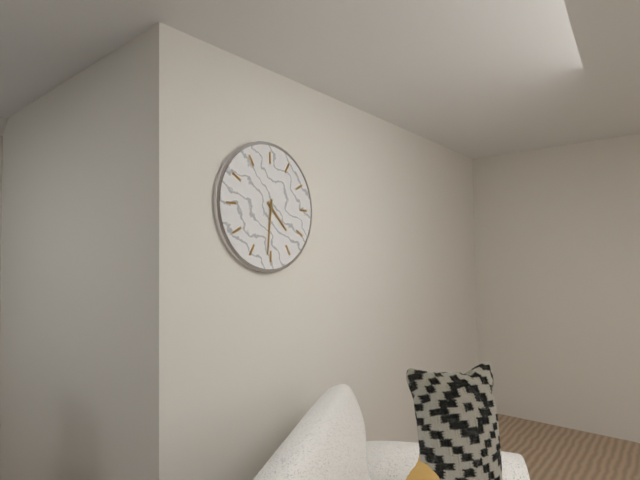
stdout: 4:31
